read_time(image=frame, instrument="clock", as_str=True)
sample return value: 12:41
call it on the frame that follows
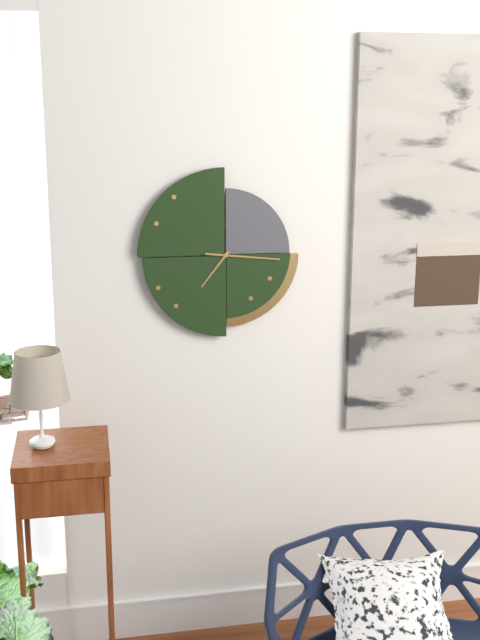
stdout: 7:16
